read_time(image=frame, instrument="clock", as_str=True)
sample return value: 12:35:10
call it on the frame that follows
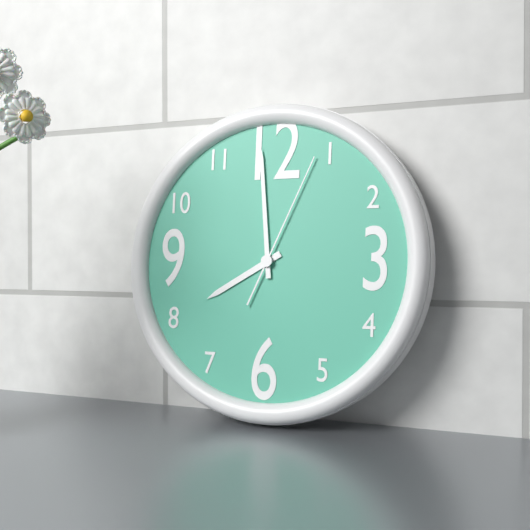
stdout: 7:59:04
